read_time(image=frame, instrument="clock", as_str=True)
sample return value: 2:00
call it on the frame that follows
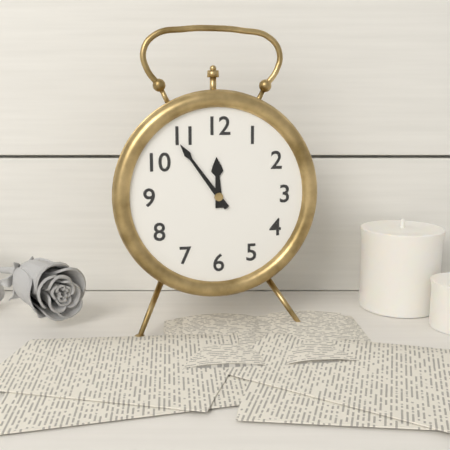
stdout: 11:54
